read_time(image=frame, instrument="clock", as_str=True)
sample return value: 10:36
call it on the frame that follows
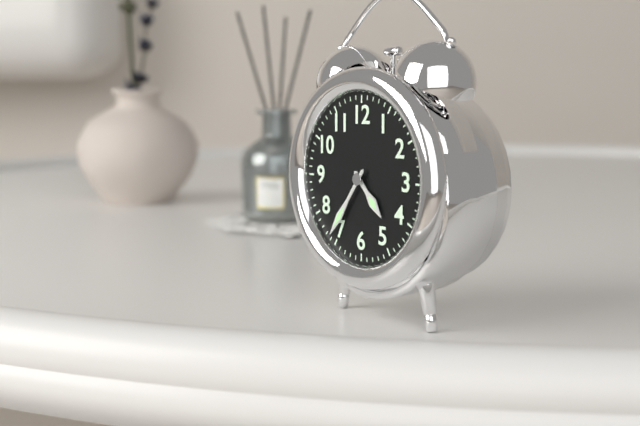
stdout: 4:36
